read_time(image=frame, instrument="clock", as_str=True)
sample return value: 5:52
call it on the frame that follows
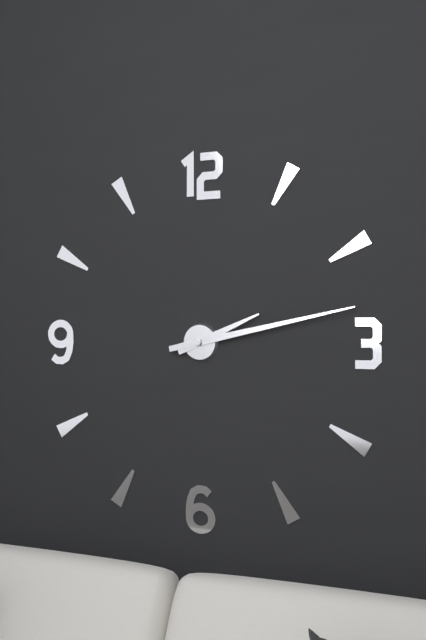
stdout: 2:13
